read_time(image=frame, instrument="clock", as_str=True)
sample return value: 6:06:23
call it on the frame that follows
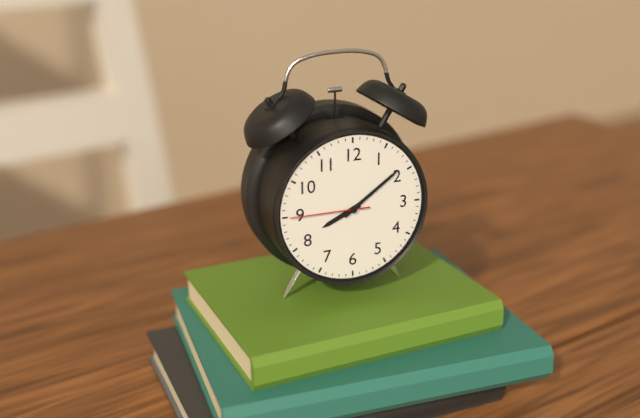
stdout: 8:09:45
